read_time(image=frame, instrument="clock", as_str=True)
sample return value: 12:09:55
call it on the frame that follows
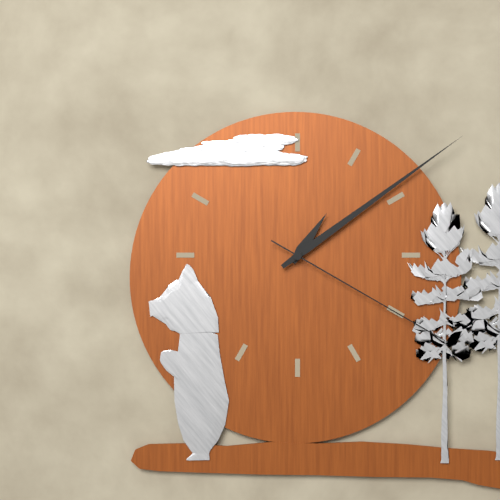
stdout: 1:09:20
